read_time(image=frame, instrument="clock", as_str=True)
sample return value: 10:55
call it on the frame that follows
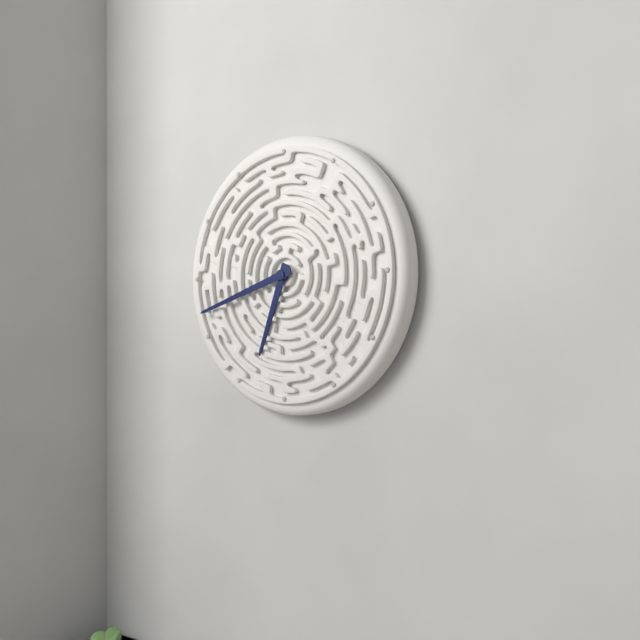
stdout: 6:42
